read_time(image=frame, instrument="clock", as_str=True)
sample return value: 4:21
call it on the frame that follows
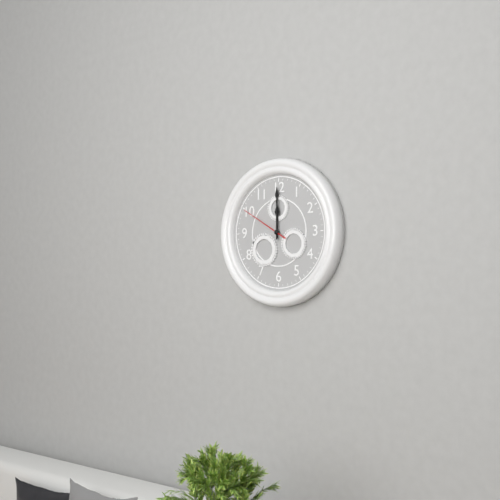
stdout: 12:00
